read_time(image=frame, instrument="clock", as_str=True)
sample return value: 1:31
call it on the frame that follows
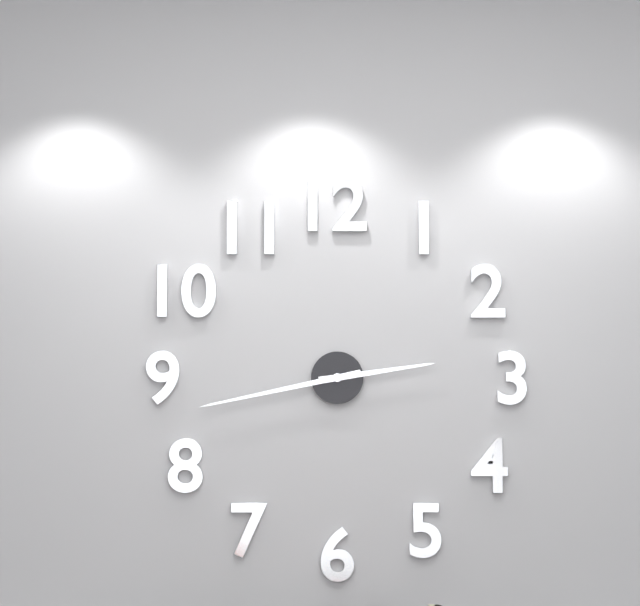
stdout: 2:43
